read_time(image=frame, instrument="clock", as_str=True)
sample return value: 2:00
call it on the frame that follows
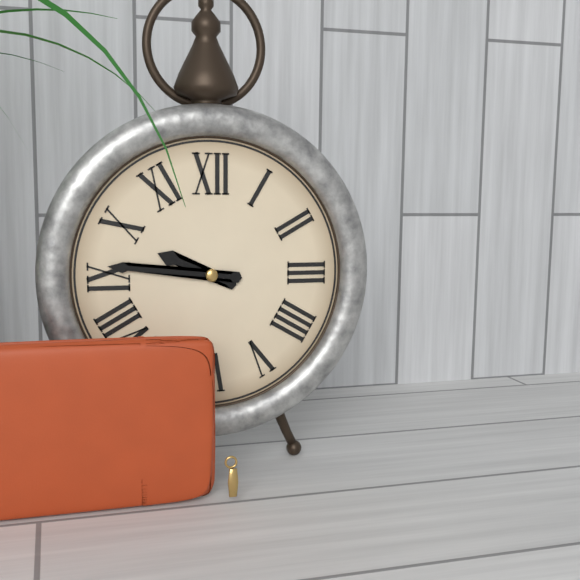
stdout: 9:46
